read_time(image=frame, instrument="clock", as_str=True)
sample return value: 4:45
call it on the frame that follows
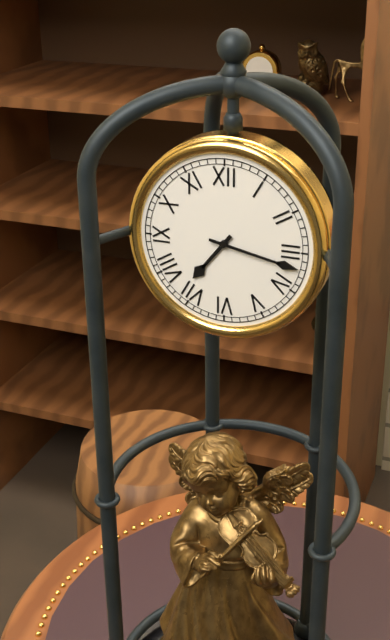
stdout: 7:17
